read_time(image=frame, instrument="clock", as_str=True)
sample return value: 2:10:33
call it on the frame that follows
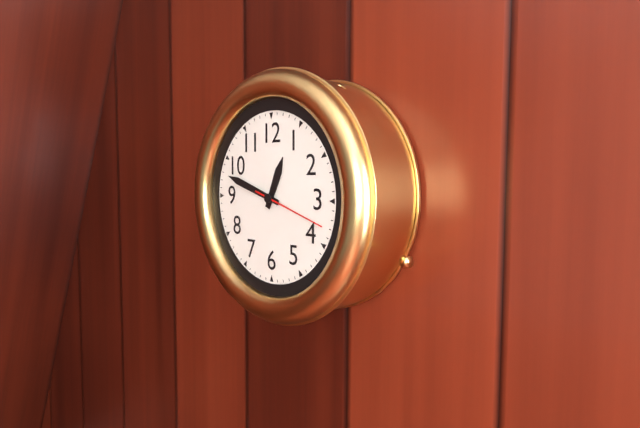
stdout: 12:48:18
